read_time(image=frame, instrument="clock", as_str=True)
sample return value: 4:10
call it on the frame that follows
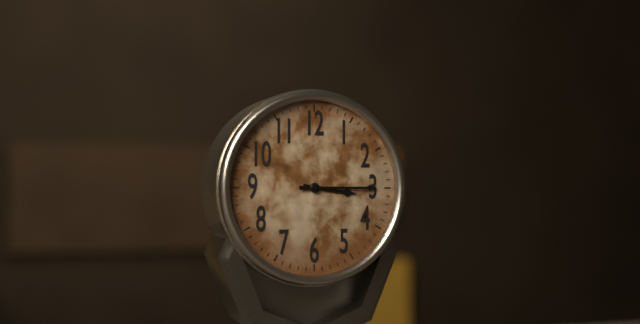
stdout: 3:15
